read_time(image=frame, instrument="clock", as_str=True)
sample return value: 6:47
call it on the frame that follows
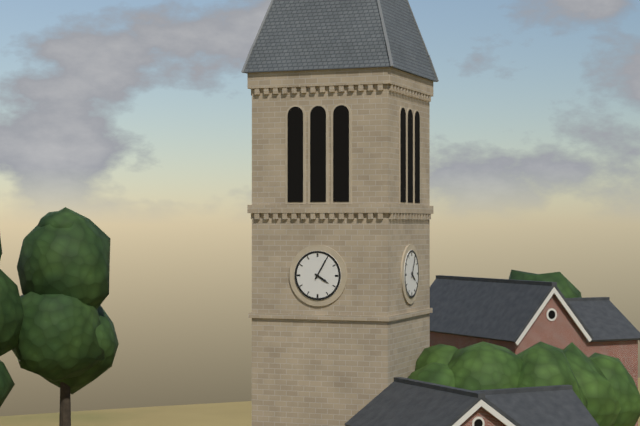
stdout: 4:05
